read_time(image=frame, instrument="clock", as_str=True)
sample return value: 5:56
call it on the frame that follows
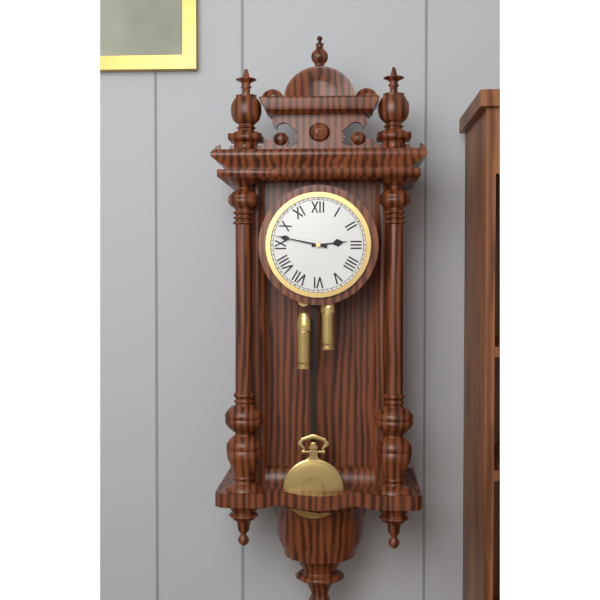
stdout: 2:47
